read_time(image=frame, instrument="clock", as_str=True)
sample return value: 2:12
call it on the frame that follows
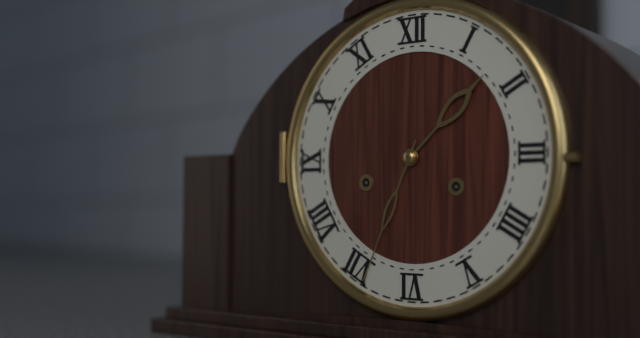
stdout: 1:34
